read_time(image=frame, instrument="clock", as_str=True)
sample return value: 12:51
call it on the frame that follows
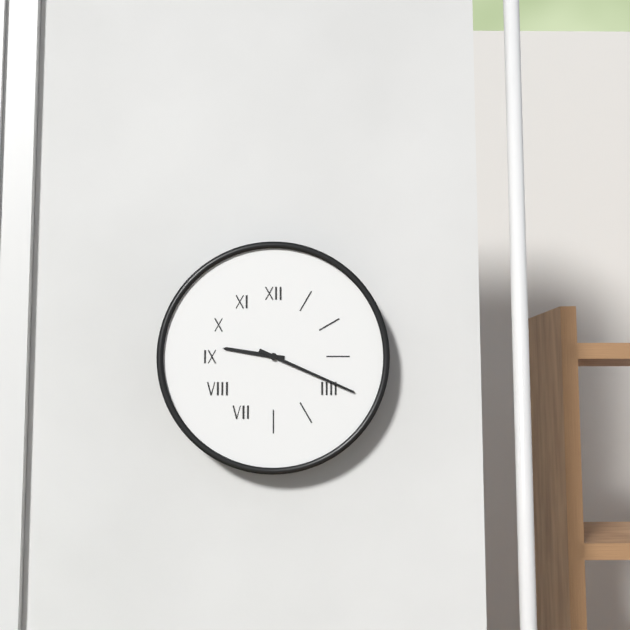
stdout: 9:19
